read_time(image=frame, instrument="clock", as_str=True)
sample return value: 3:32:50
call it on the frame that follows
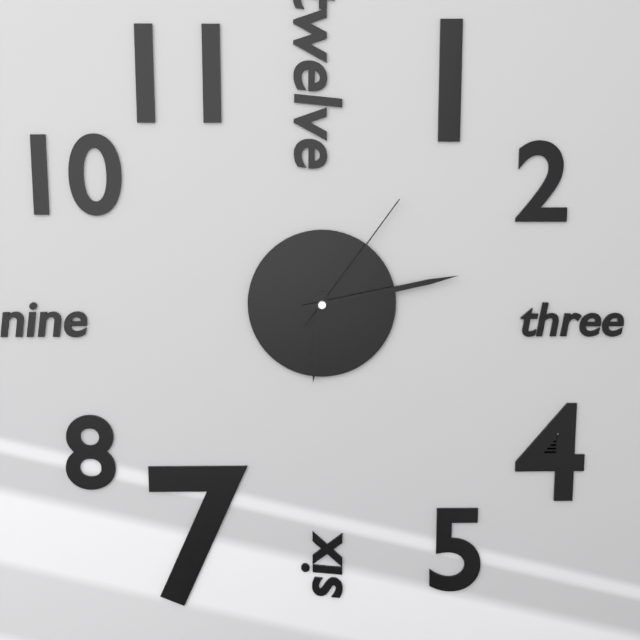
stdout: 6:13:06
